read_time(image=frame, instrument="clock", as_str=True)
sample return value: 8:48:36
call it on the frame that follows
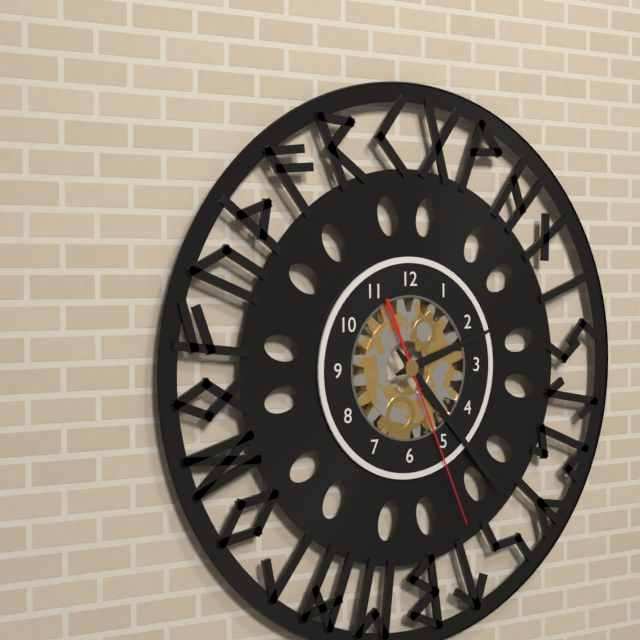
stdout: 2:23:26
